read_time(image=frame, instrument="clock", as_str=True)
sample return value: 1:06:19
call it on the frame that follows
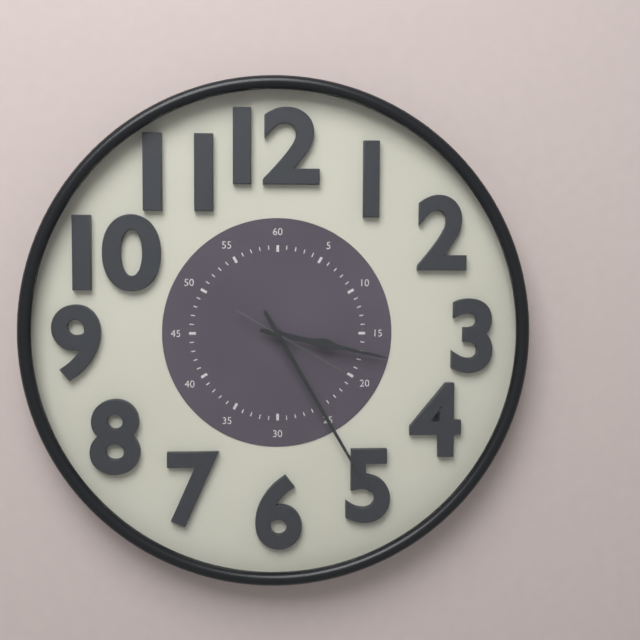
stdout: 3:25:20
